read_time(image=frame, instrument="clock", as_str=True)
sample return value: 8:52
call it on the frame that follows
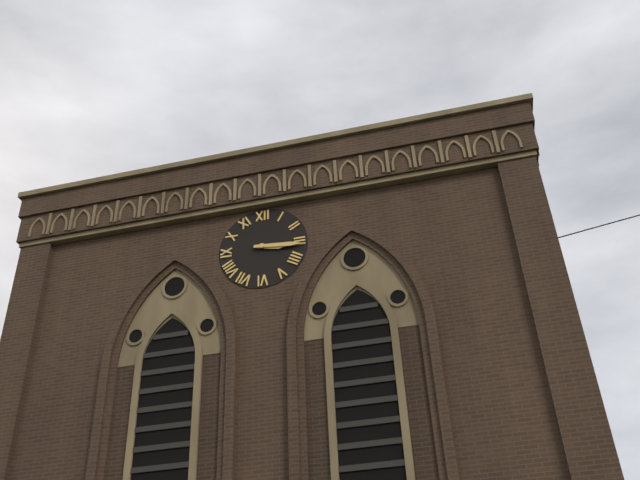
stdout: 3:16
